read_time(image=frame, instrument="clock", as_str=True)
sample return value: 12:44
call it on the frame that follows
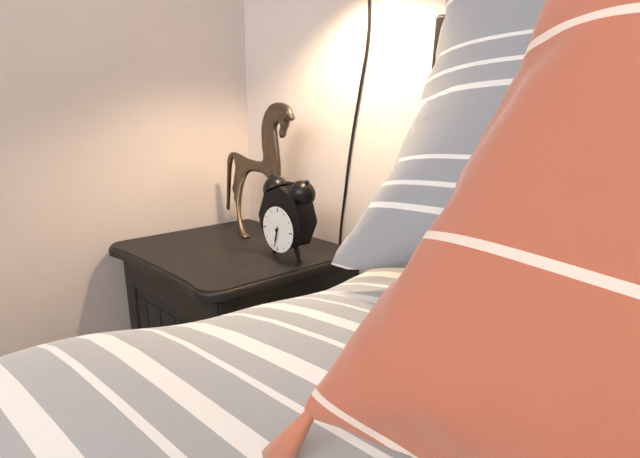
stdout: 6:32
